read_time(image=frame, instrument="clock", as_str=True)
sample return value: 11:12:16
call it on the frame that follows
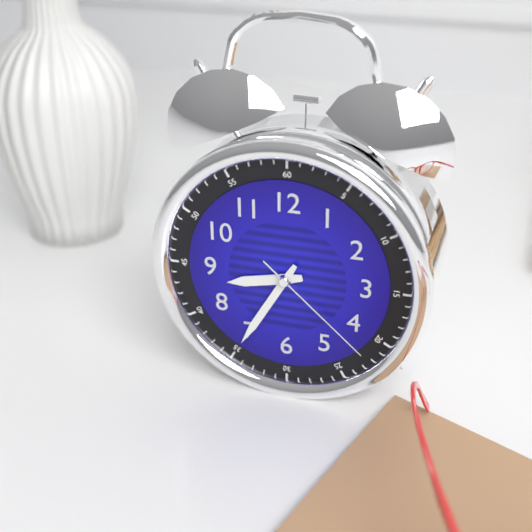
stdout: 8:35:22
